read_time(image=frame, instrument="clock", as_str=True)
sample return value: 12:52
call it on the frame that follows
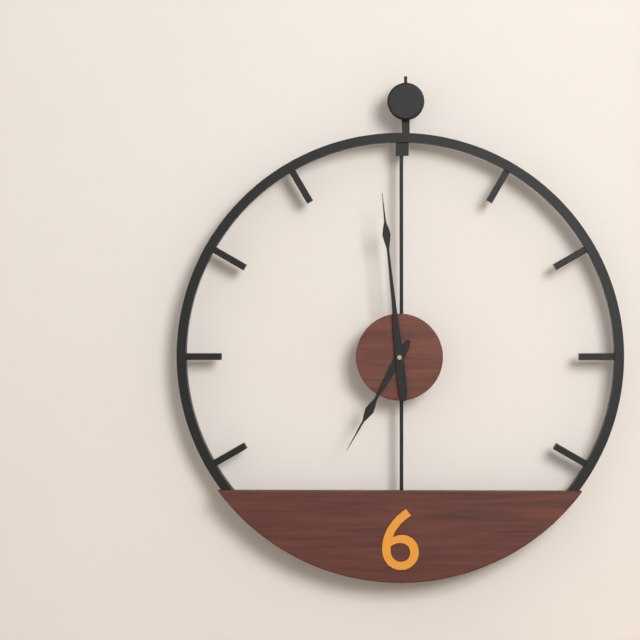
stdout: 6:59
